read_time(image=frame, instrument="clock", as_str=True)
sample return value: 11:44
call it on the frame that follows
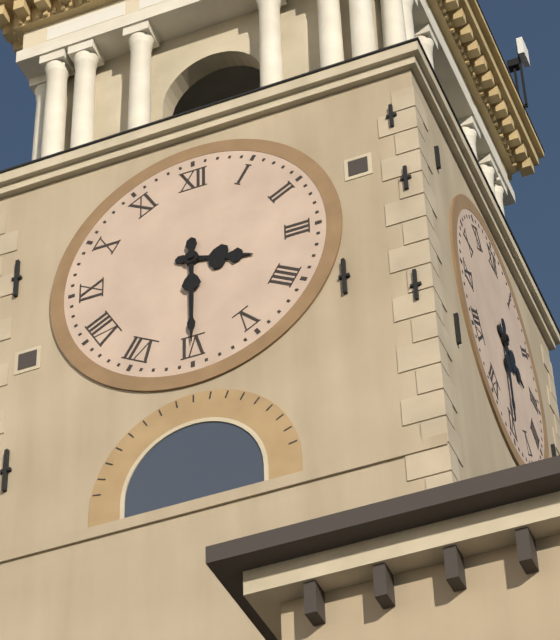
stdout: 3:30
